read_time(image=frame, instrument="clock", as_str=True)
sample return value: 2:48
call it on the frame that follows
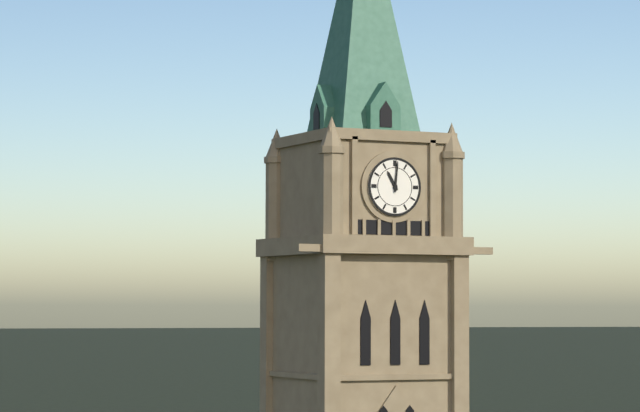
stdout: 11:01
